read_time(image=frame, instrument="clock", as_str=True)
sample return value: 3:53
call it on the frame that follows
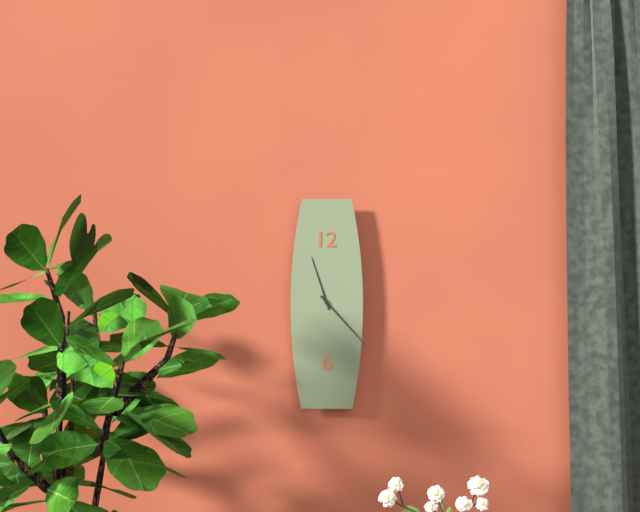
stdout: 11:23
